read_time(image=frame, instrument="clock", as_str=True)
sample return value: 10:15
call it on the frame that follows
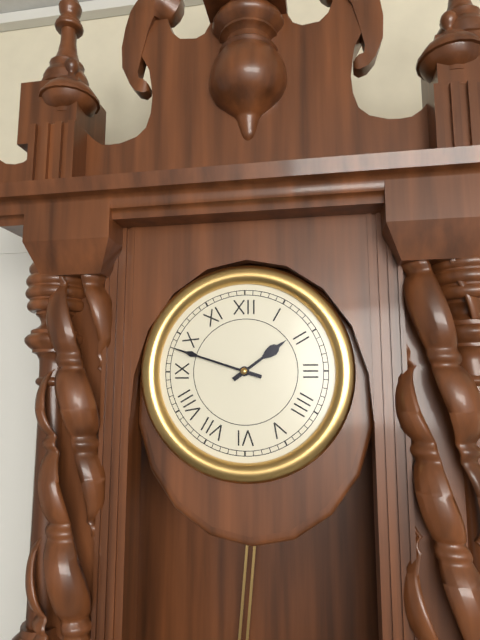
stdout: 1:48
